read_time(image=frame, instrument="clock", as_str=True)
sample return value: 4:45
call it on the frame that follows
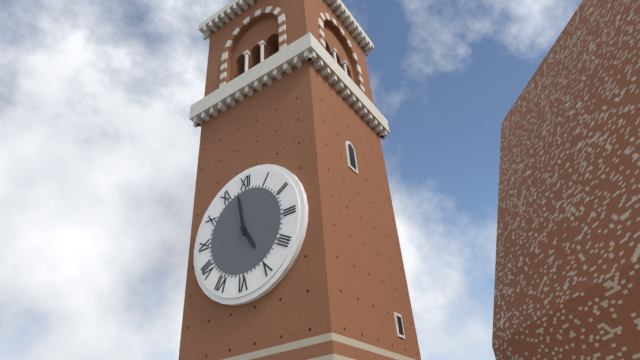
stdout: 4:58
